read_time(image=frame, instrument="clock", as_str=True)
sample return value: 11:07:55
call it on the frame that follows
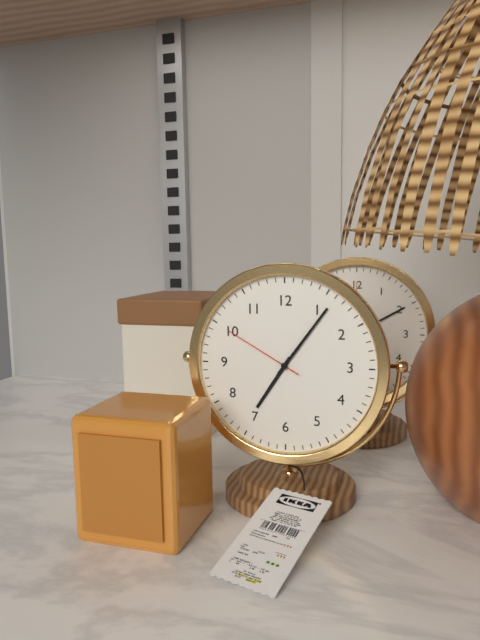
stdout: 7:06:50
